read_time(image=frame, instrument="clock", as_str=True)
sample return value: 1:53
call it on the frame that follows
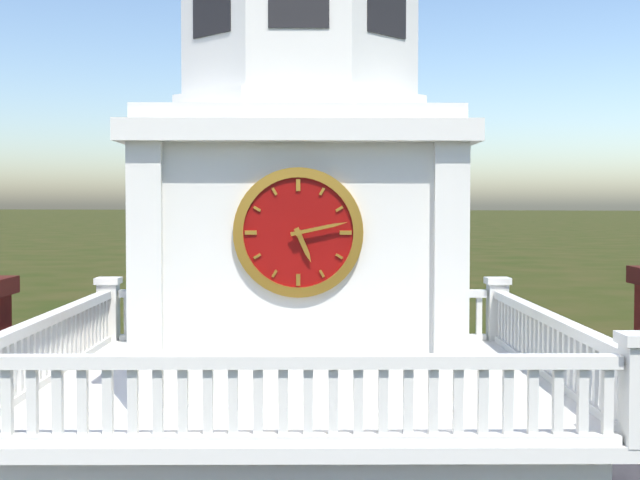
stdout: 5:13
